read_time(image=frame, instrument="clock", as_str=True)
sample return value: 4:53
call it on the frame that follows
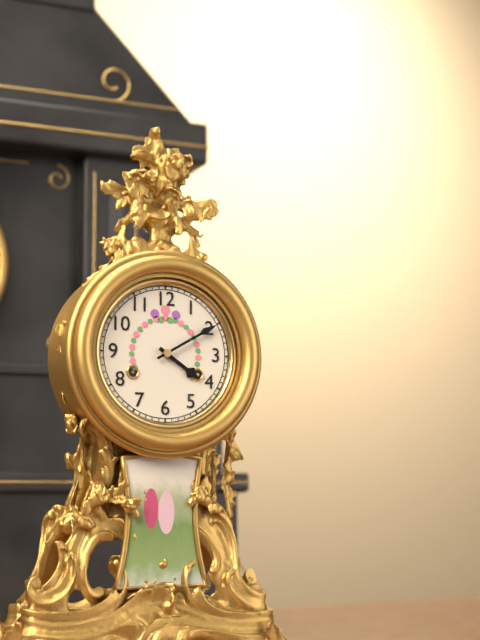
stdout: 4:10
